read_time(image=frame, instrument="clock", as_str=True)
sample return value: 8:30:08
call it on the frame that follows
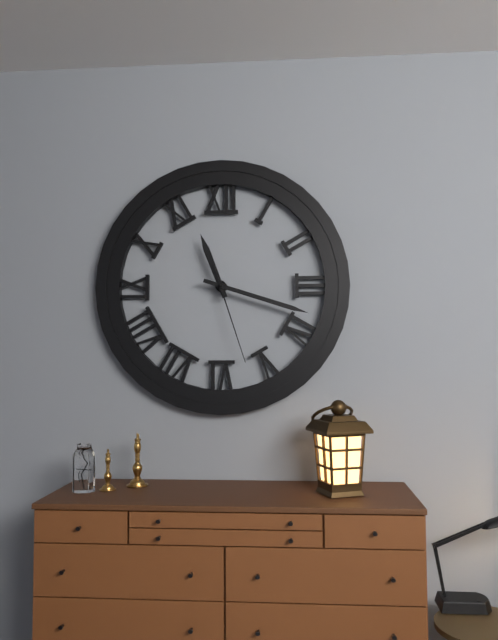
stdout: 11:18:27
